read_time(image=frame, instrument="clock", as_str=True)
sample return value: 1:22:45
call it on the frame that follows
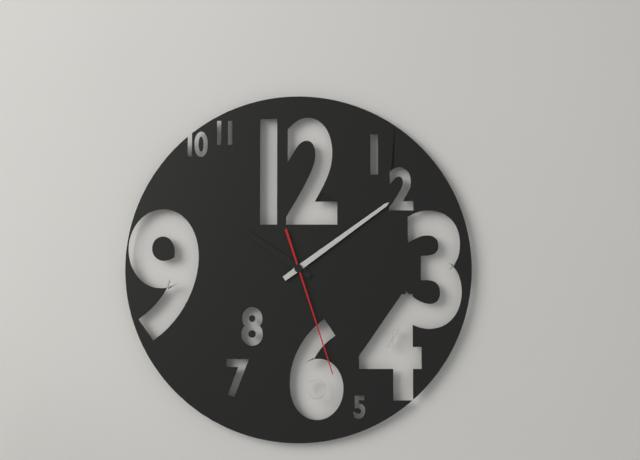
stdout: 10:09:27
